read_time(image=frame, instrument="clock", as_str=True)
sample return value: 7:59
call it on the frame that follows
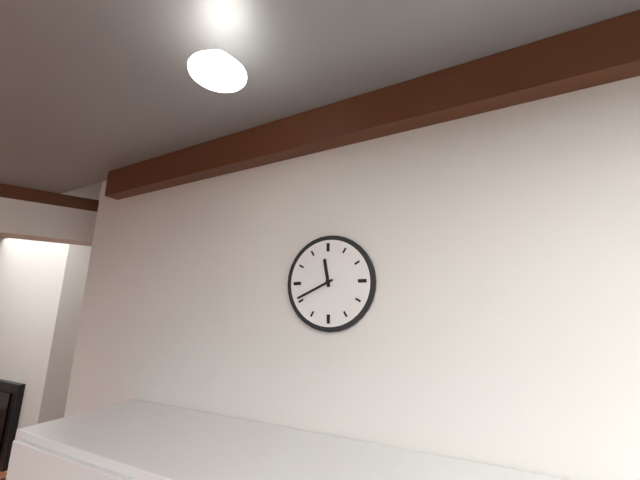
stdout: 11:41
